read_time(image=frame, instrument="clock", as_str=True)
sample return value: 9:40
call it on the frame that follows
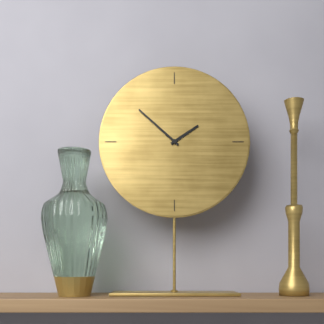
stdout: 1:52
